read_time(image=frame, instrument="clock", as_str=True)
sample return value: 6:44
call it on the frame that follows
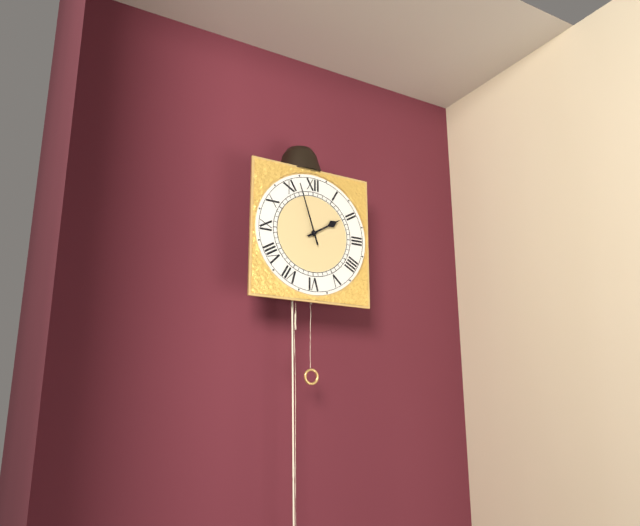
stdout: 1:57
